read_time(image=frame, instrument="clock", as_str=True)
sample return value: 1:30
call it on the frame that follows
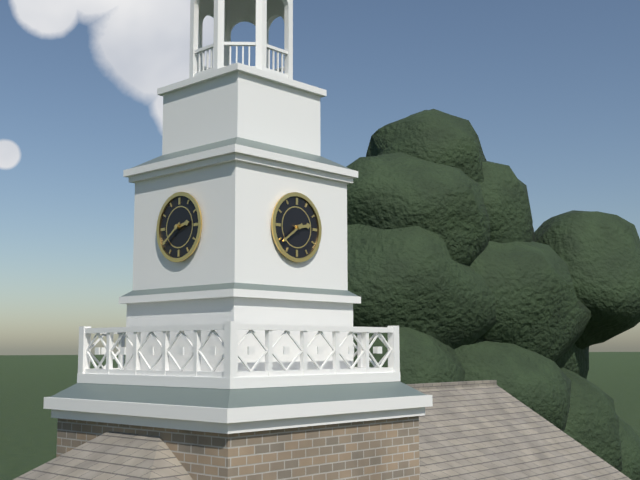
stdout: 2:39
